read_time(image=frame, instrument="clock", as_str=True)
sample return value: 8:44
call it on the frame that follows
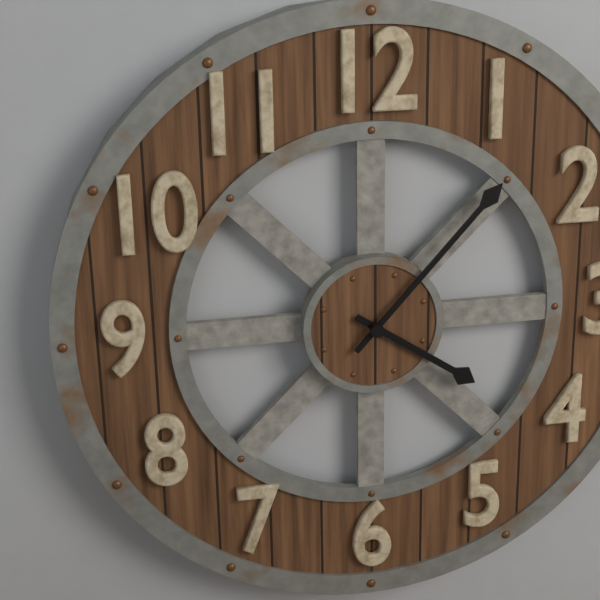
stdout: 4:07
